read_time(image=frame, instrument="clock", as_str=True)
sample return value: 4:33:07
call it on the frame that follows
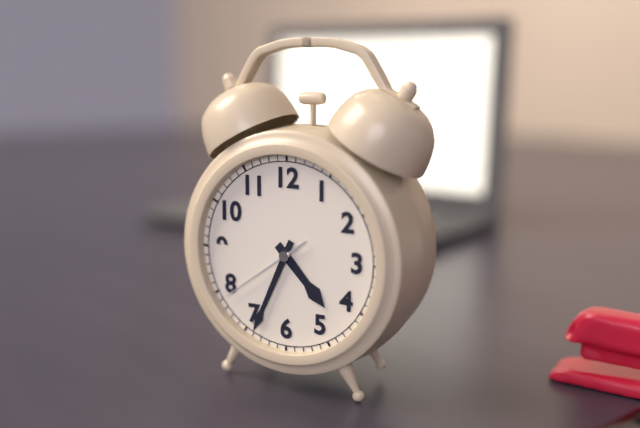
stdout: 4:34:39
